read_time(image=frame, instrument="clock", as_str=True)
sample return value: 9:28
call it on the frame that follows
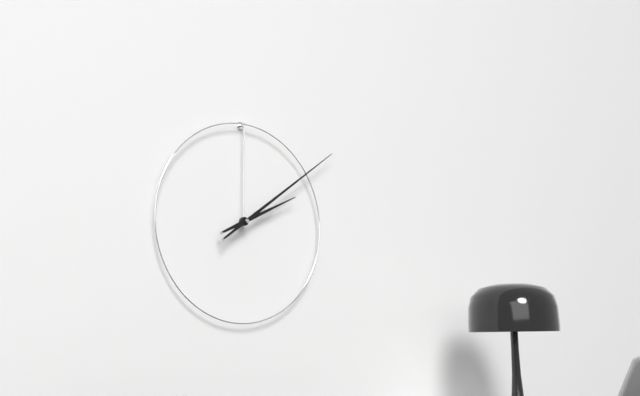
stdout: 2:09
